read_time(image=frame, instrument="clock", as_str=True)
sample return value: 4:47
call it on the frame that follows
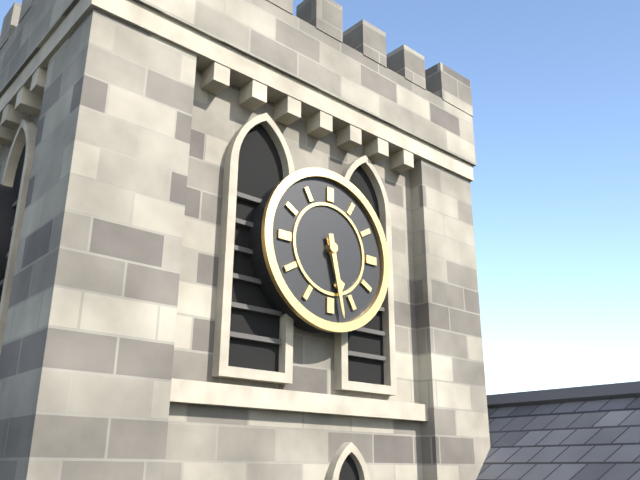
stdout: 5:28
